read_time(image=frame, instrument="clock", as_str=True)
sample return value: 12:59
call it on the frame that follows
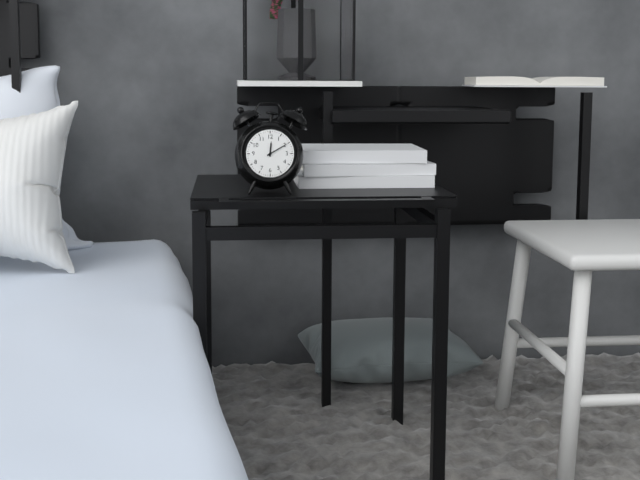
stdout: 12:10
